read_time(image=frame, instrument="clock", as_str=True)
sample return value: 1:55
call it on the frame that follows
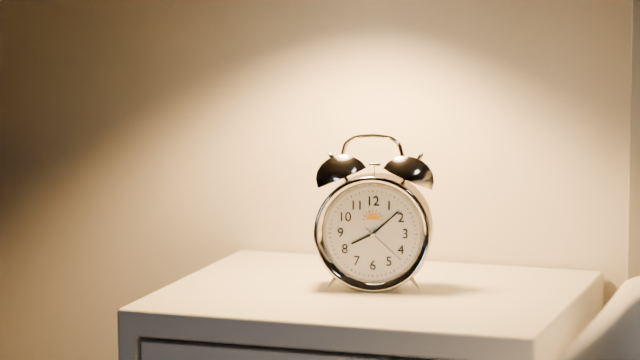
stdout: 8:08
